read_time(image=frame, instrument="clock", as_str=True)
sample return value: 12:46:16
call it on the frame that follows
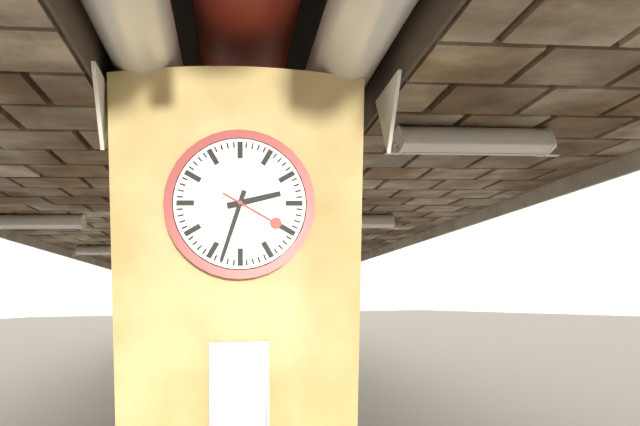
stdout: 2:33:20
